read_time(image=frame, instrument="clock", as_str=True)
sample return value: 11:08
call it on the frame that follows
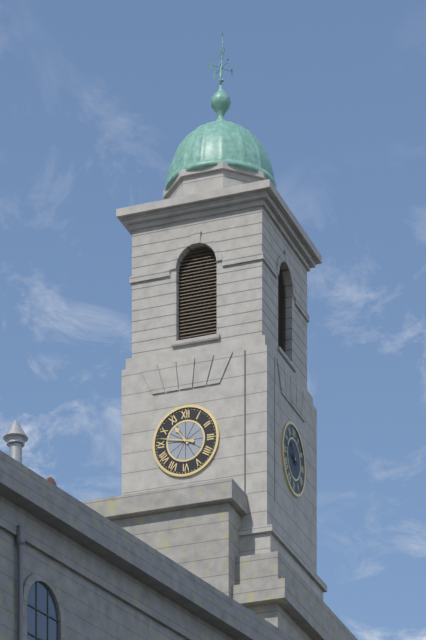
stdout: 10:47
